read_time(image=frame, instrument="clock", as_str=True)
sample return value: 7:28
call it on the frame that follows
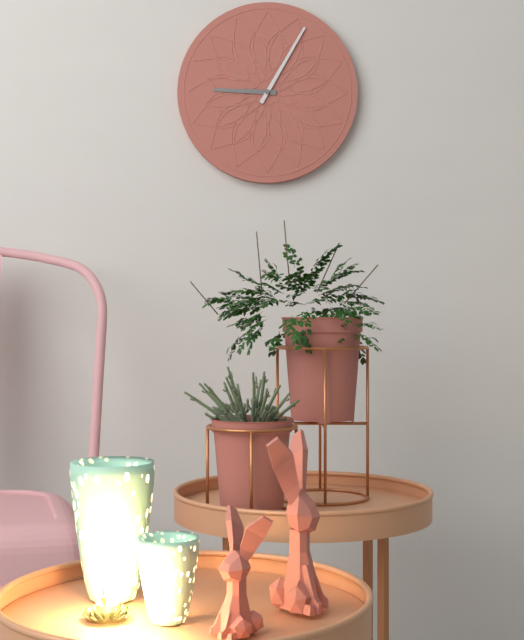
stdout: 9:05
